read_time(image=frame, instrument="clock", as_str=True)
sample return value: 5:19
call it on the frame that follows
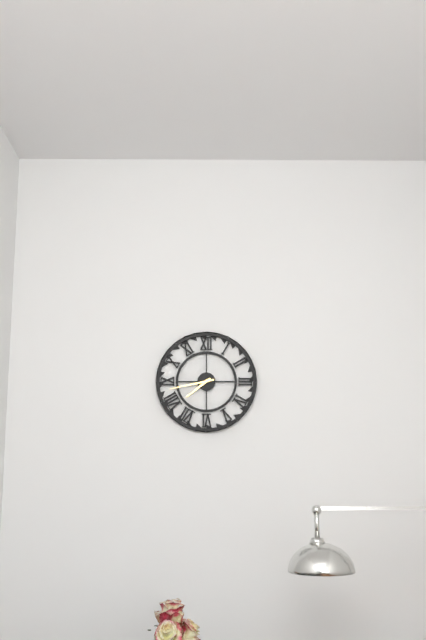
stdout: 7:43
